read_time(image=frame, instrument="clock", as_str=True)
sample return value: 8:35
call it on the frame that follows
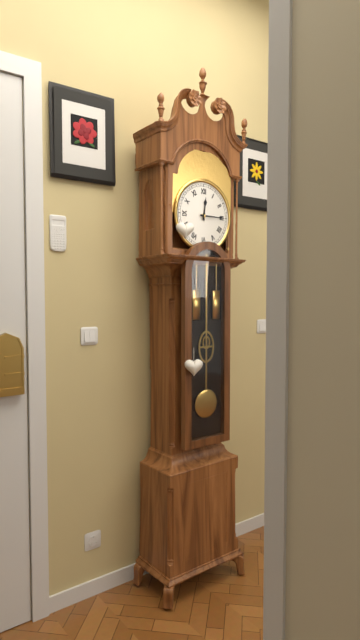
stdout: 12:15
